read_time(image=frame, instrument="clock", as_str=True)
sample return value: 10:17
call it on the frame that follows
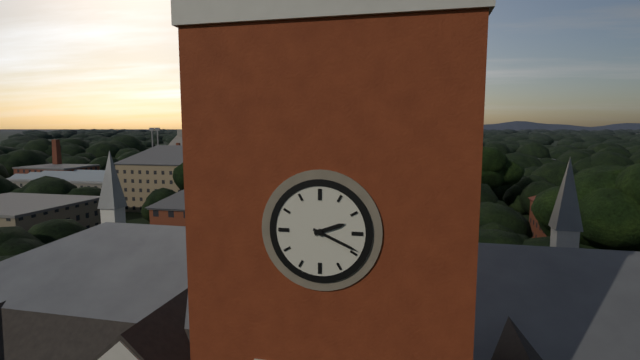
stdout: 2:19
